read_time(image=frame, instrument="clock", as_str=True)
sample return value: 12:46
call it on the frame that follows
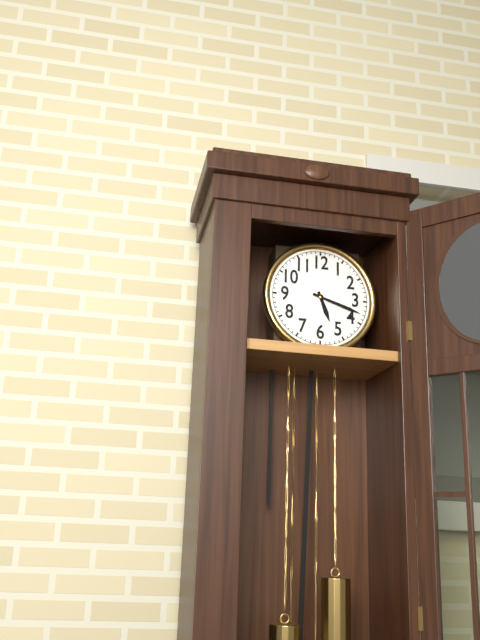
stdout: 5:18
